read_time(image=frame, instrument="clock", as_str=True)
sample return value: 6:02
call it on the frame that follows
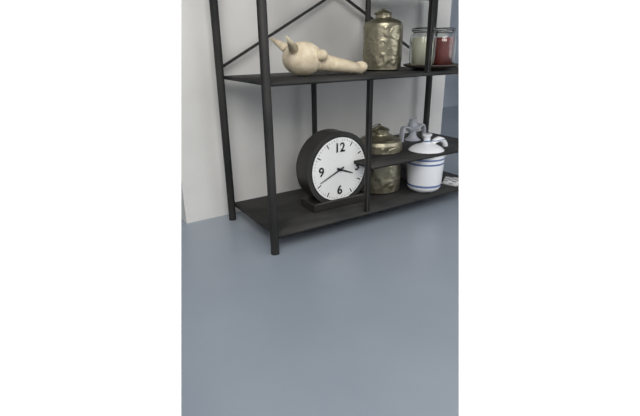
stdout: 3:41
